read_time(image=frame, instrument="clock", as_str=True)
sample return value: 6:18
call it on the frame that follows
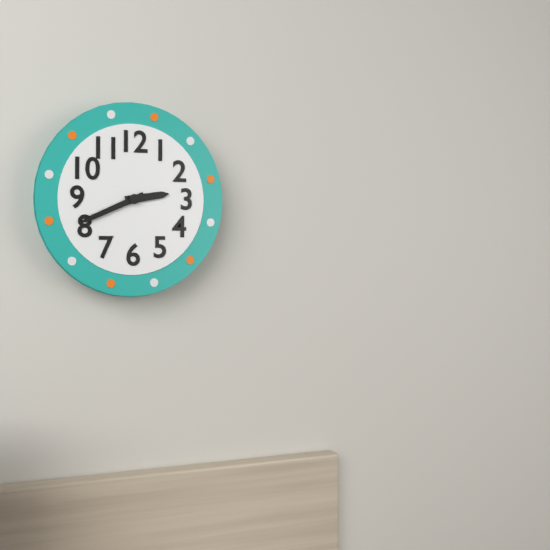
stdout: 2:41
